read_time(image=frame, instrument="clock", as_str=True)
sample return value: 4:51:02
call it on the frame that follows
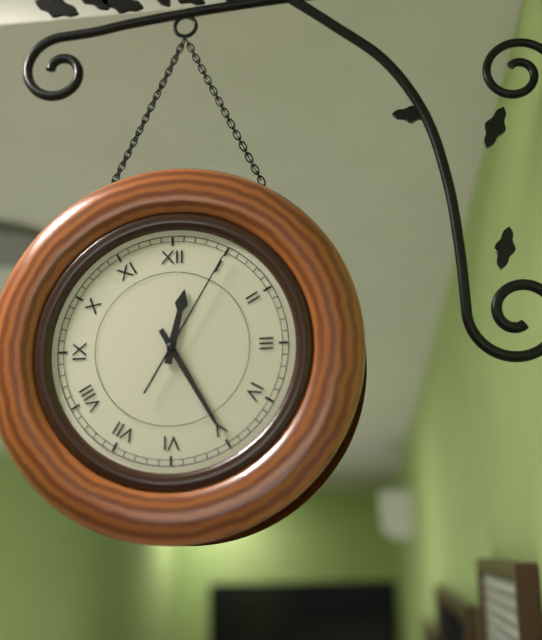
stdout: 12:25:05
